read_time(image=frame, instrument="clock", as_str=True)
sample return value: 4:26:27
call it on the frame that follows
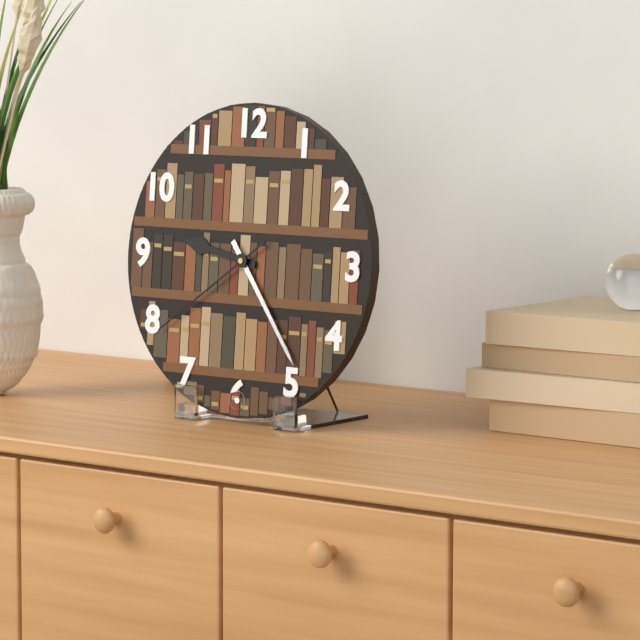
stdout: 9:24:39
